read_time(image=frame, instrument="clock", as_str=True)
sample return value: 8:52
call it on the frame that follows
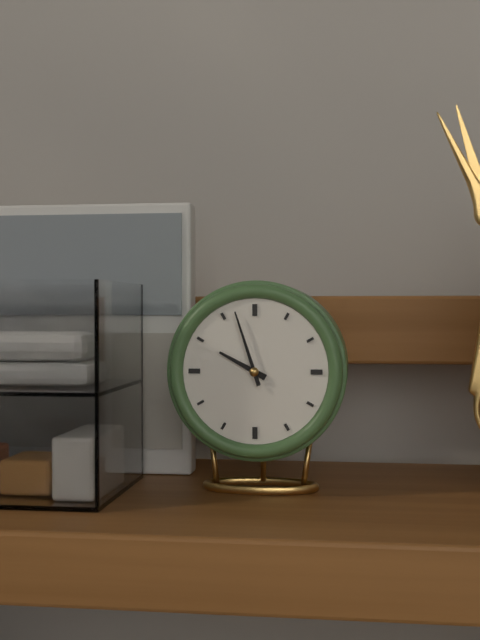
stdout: 9:57
